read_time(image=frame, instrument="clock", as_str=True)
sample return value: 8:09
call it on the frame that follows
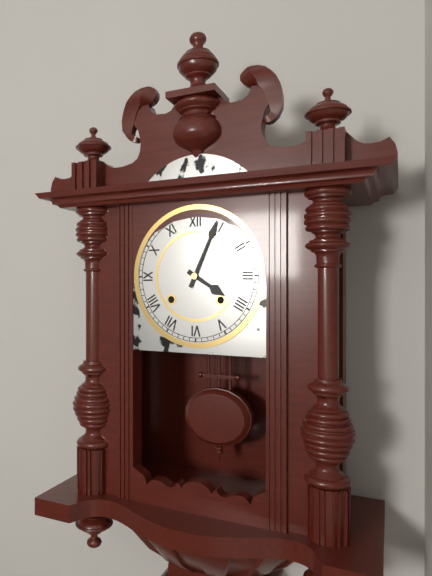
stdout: 4:04
